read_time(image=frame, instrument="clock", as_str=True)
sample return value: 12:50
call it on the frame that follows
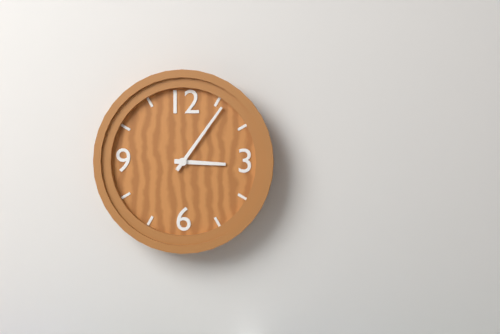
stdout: 3:06
